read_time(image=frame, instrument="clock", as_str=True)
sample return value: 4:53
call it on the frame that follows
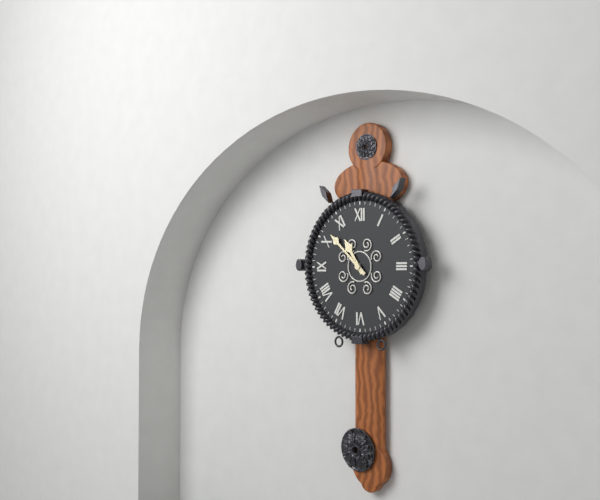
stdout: 10:52
